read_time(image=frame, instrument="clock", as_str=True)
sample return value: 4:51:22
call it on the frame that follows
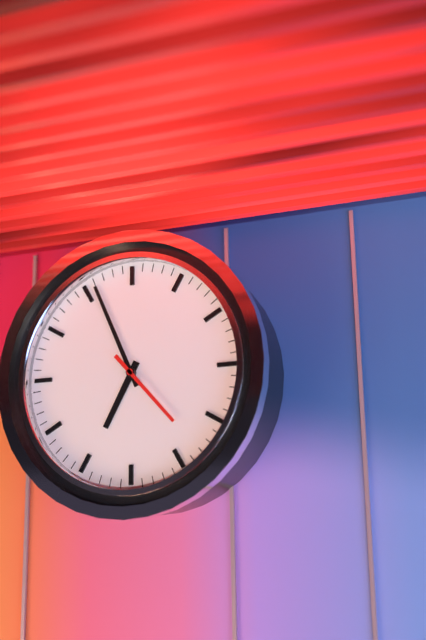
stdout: 6:56:23
